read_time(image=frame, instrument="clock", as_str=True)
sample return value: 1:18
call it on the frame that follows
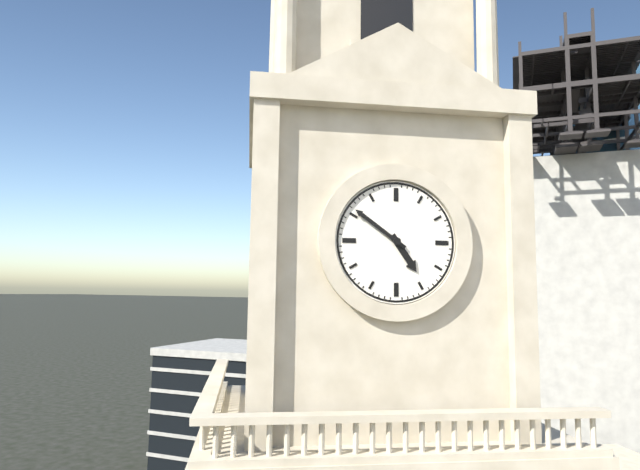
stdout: 4:51
